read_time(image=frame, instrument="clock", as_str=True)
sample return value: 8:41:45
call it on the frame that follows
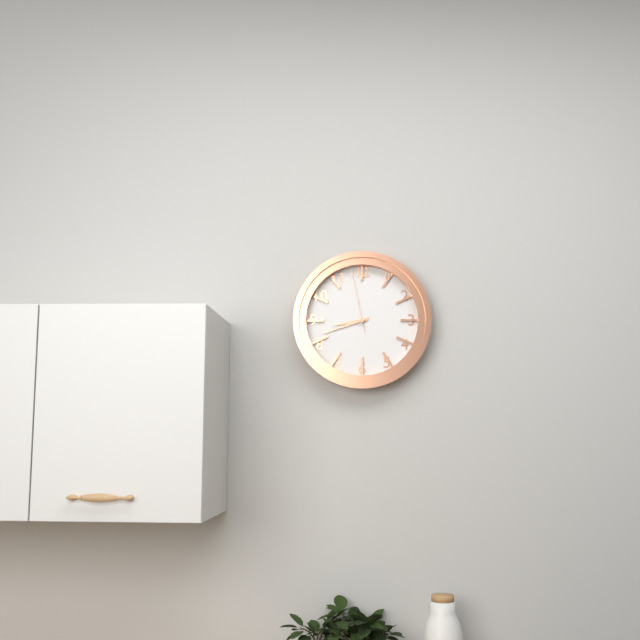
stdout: 8:42:58
